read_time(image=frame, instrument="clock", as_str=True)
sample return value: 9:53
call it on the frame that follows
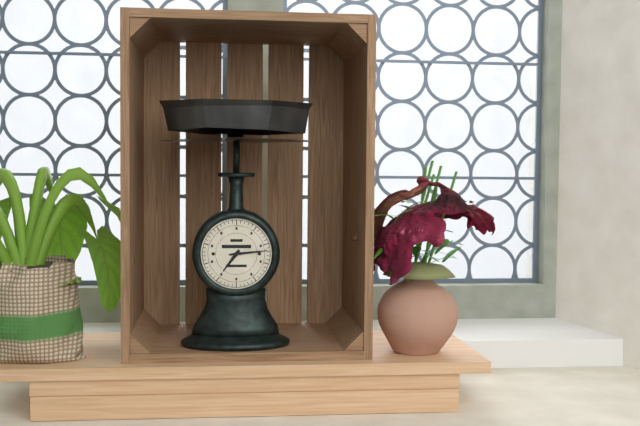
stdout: 7:14
